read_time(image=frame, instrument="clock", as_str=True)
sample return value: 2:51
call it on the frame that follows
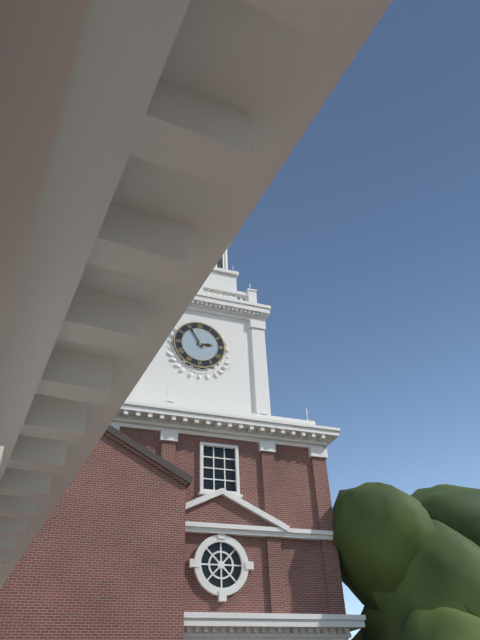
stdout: 2:55
